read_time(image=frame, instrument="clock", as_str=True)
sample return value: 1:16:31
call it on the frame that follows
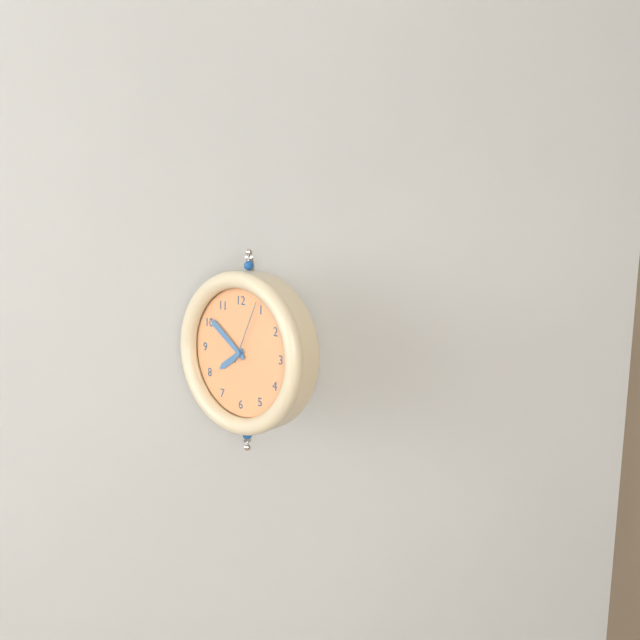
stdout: 7:51:04
